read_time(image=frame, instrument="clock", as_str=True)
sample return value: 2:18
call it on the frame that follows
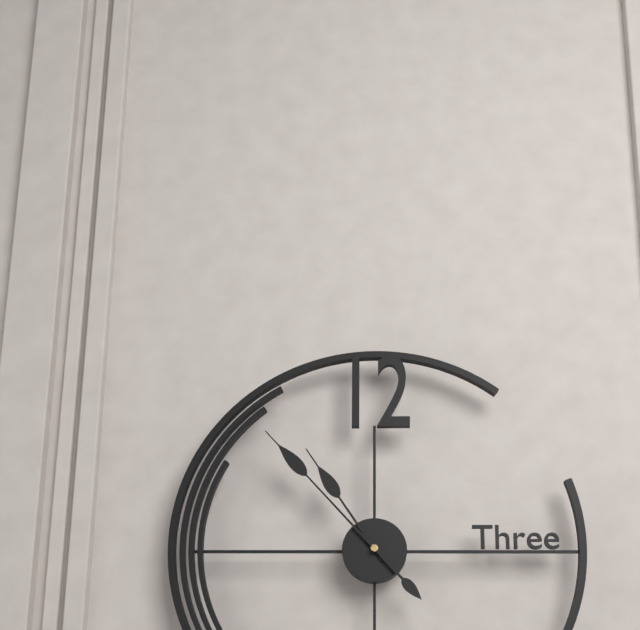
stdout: 10:53
